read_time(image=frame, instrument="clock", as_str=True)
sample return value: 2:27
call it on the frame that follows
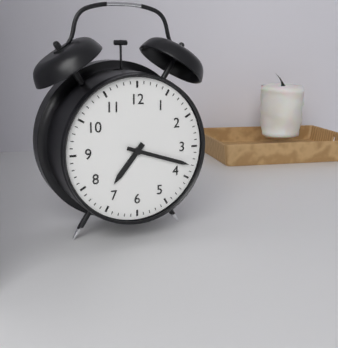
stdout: 7:18
